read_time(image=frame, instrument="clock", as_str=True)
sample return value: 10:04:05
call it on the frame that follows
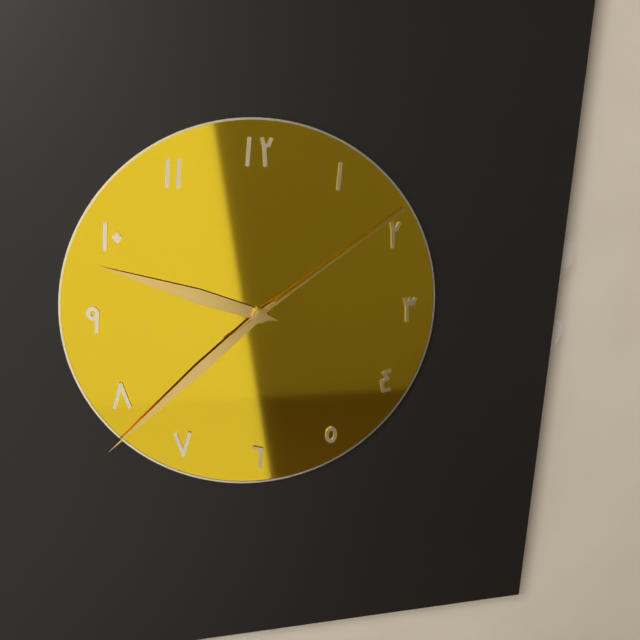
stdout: 9:38:09
